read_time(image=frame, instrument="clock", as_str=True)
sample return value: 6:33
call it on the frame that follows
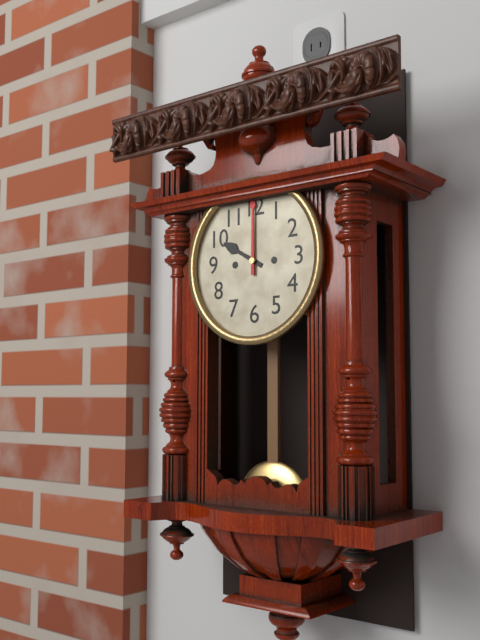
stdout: 10:00
